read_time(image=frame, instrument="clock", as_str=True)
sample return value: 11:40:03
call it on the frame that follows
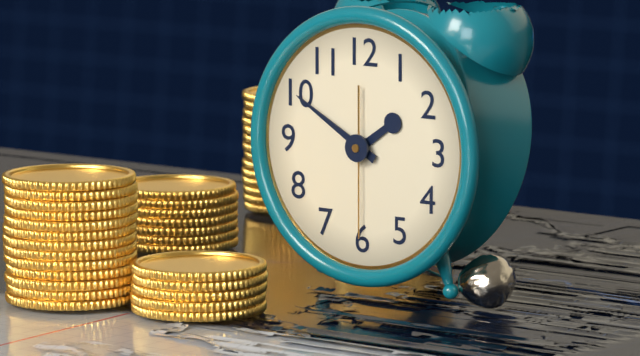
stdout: 1:50:30
